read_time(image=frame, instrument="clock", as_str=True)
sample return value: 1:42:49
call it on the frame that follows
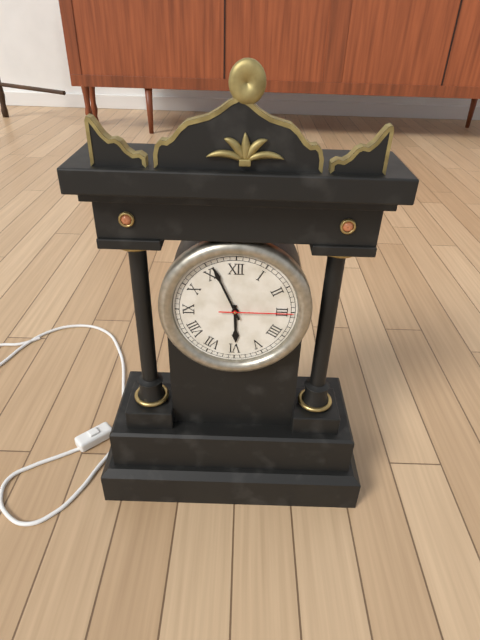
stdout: 5:56:15
